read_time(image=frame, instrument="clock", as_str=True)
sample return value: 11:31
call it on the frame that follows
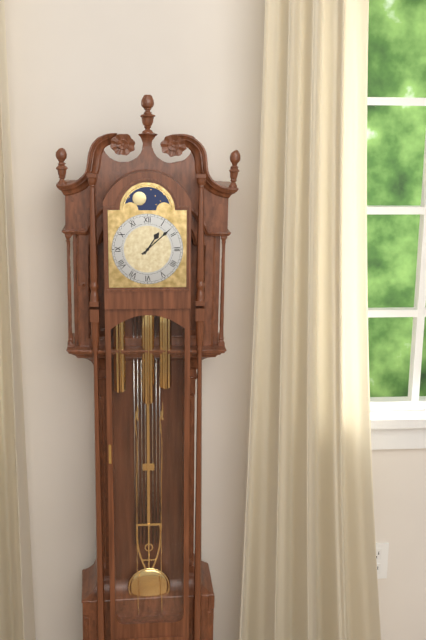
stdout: 1:08
